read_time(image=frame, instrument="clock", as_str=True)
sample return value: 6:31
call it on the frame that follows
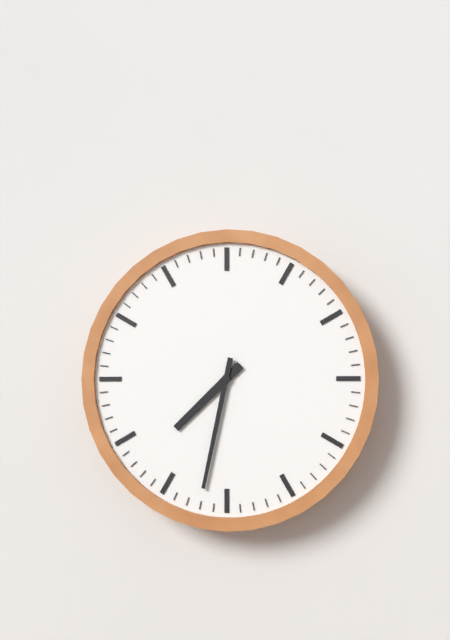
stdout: 7:32
